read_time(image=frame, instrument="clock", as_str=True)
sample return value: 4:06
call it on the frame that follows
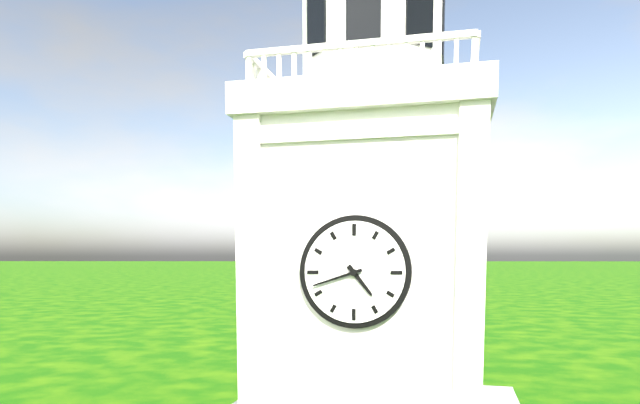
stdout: 4:42
